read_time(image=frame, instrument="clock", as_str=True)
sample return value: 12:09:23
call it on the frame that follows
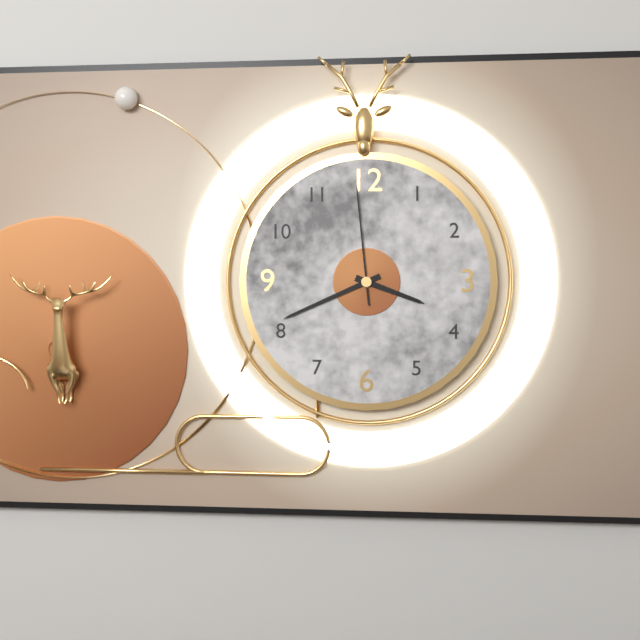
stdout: 3:41:59
